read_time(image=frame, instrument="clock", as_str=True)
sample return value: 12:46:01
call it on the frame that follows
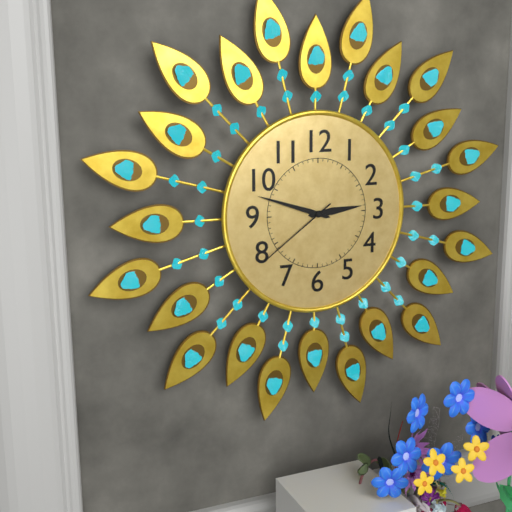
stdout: 2:48:39
